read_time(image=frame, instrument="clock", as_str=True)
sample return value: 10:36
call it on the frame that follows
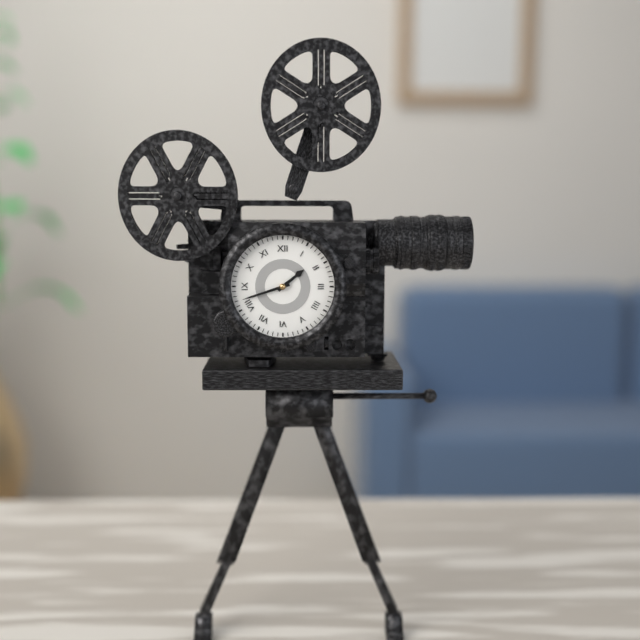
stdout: 1:42
